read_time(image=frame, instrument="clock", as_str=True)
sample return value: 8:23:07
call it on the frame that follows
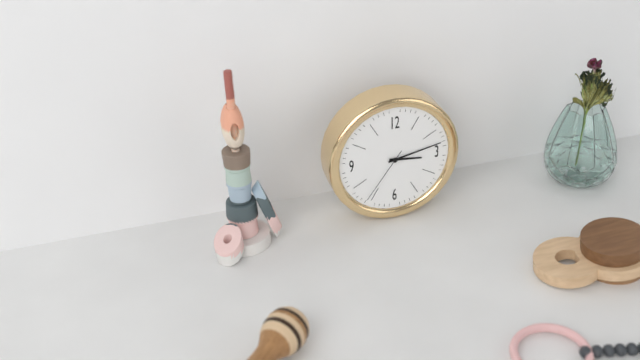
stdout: 3:13:36
